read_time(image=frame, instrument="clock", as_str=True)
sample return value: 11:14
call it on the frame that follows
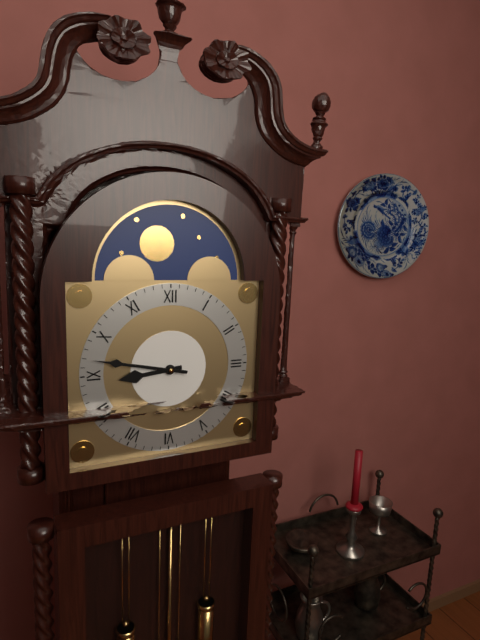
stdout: 8:47
